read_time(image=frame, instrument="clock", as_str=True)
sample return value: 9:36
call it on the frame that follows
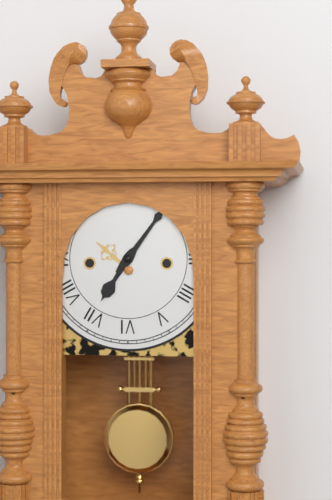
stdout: 7:06
